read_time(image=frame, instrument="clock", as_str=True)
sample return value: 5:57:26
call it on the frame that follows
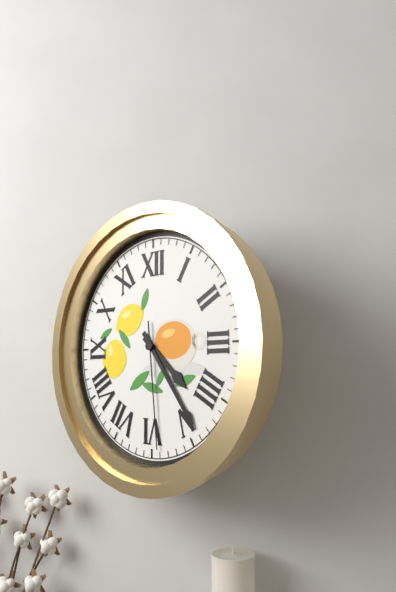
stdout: 4:24:29
